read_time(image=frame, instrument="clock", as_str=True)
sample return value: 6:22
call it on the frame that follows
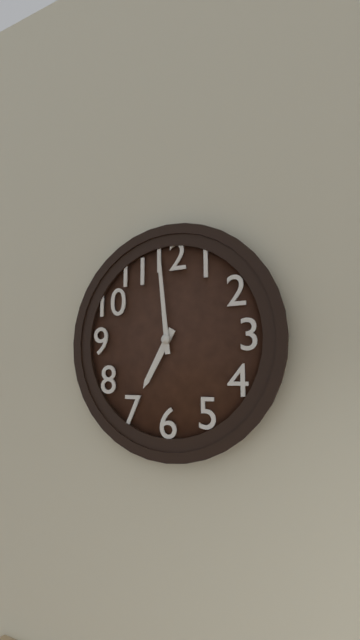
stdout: 6:59
